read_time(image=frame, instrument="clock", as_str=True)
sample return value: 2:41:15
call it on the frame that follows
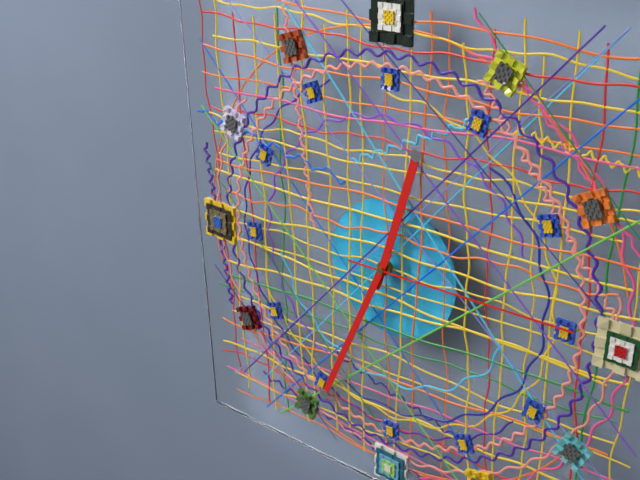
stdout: 12:34:15
